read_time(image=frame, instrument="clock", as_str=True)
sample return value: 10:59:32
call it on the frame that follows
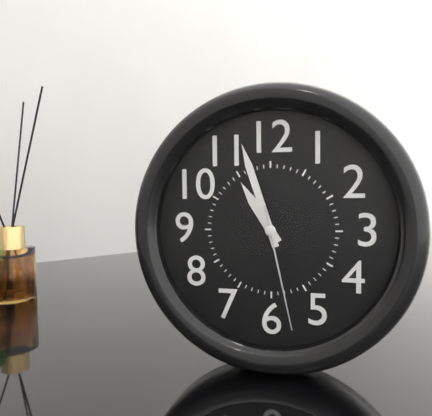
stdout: 10:57:28
